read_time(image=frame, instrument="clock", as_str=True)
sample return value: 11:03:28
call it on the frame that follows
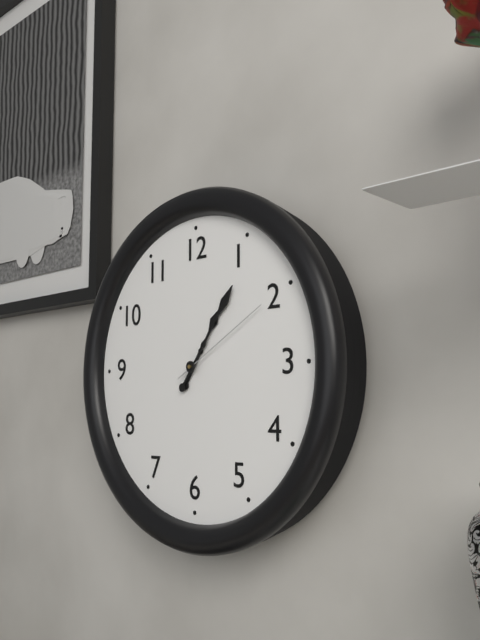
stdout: 1:06:10
